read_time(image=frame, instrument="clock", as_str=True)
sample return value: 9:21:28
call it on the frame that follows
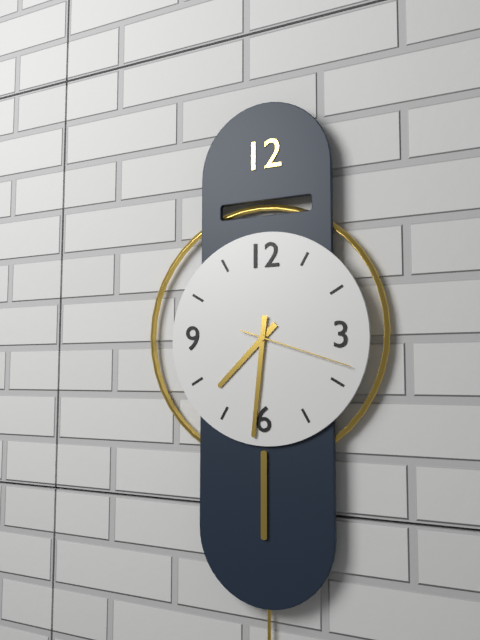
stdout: 7:31:18
